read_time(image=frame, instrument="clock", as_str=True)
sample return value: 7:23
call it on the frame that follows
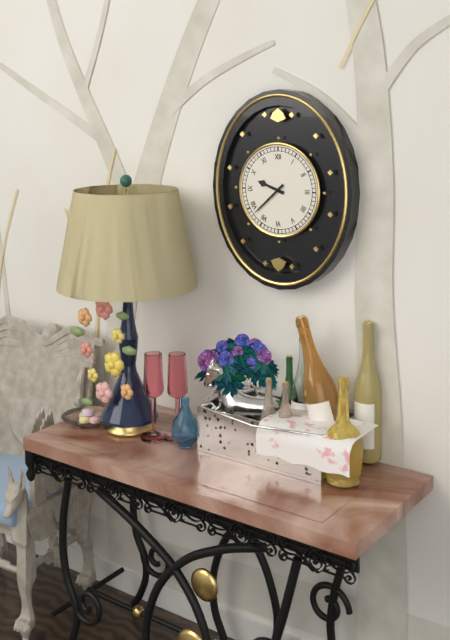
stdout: 9:38
